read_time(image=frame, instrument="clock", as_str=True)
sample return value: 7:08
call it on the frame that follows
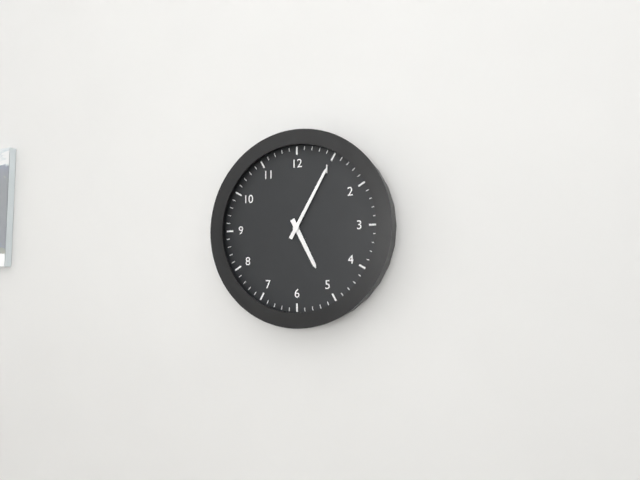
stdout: 5:05
